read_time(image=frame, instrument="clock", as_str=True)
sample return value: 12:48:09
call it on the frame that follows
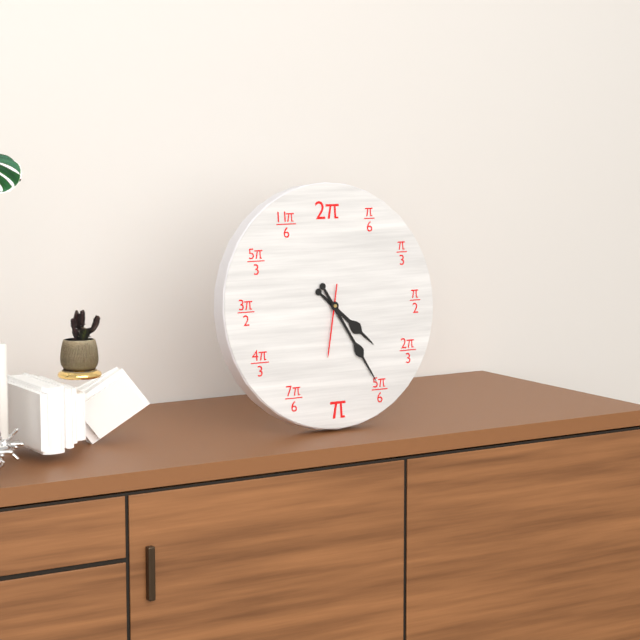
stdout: 4:25:32
